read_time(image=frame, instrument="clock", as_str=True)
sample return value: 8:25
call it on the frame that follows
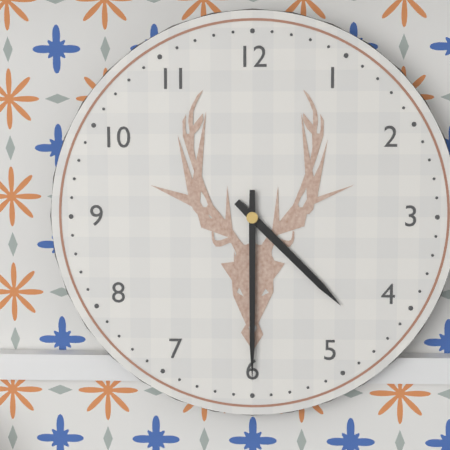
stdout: 4:30
